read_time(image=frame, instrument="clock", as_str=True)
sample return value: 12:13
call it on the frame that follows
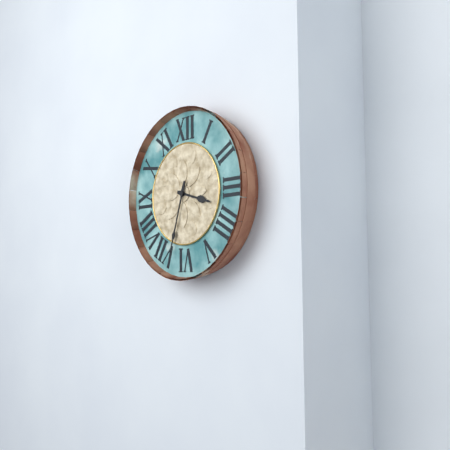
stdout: 3:33
